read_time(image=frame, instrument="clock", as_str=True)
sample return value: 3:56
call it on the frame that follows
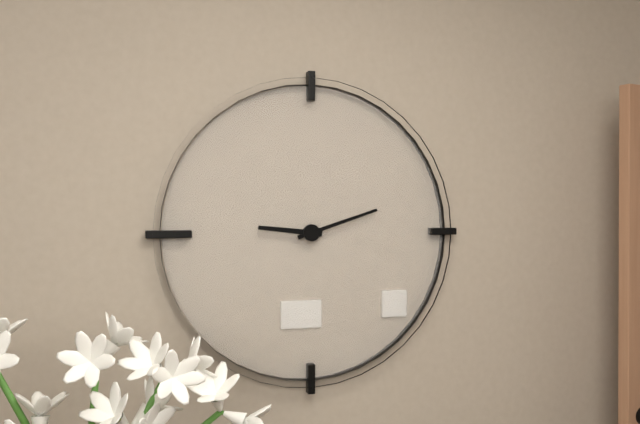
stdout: 9:12
